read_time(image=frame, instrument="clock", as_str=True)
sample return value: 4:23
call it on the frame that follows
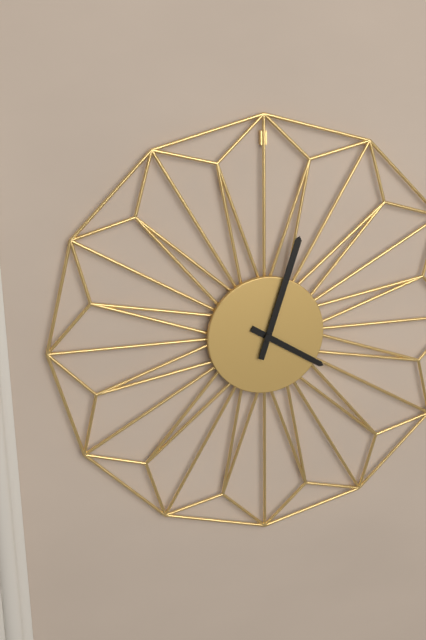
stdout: 4:03
